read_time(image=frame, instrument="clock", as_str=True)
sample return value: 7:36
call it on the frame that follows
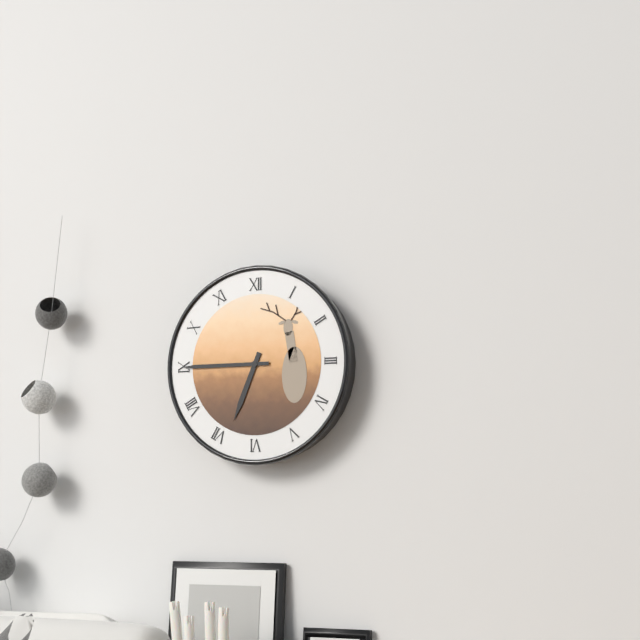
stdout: 6:45
